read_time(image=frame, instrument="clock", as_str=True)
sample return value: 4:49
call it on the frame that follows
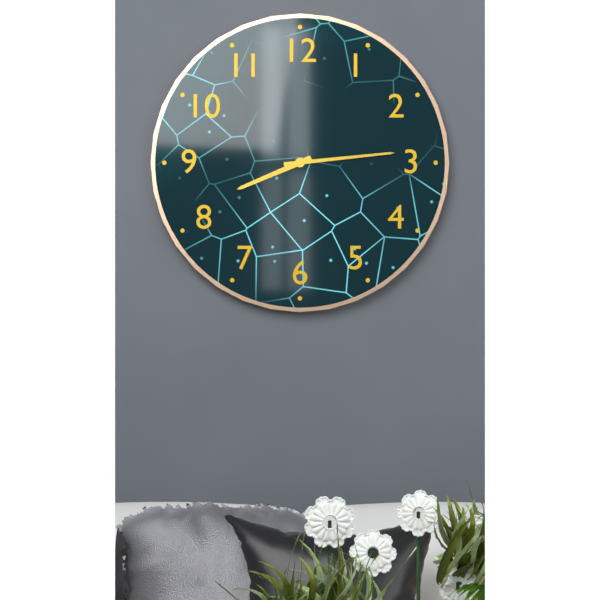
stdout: 8:14
